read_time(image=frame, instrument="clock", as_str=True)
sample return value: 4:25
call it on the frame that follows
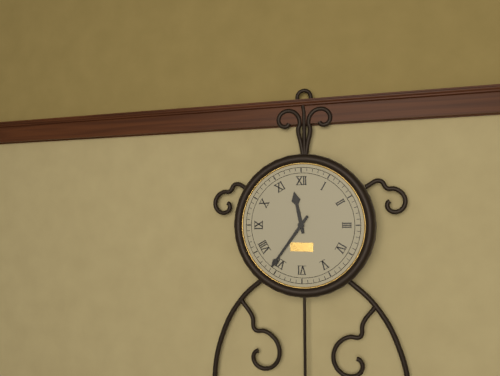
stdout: 11:36
